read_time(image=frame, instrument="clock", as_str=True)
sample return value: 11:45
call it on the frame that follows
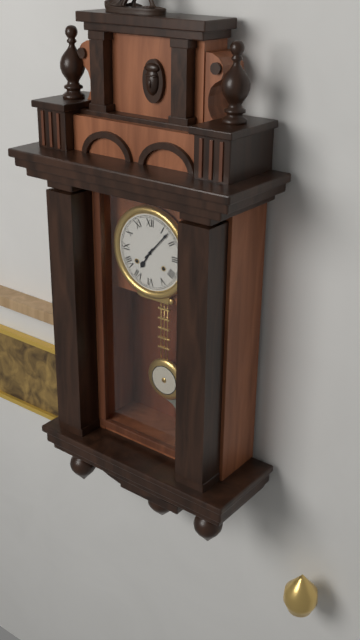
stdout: 7:07
